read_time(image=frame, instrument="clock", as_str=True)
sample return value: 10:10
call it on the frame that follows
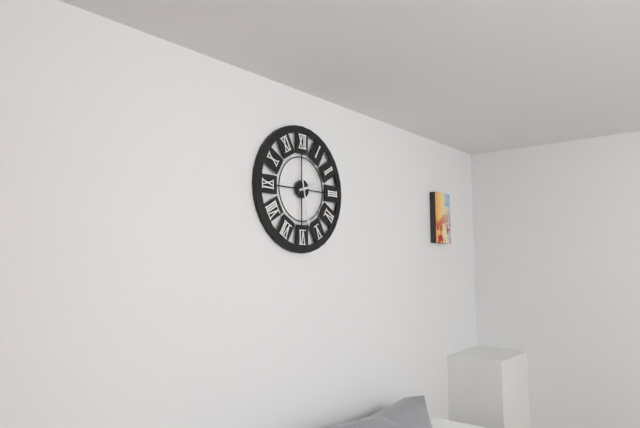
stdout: 2:28
